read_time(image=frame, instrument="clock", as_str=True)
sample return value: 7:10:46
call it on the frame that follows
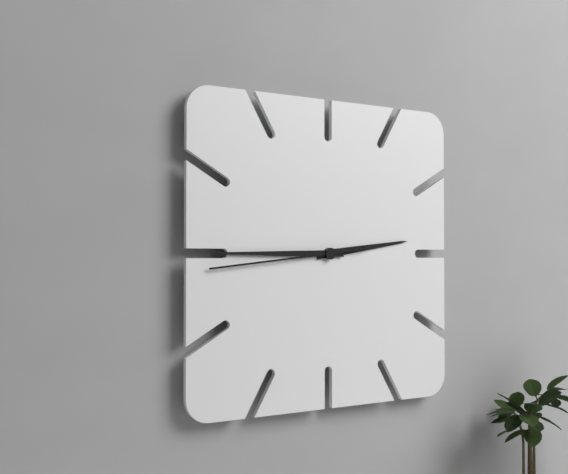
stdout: 2:45:44
